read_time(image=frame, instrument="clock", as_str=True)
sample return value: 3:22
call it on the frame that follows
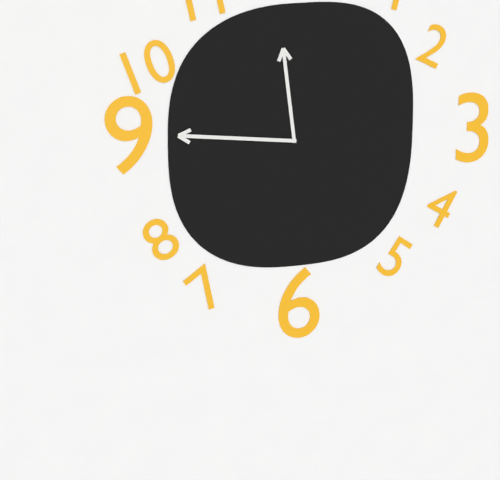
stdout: 11:46
